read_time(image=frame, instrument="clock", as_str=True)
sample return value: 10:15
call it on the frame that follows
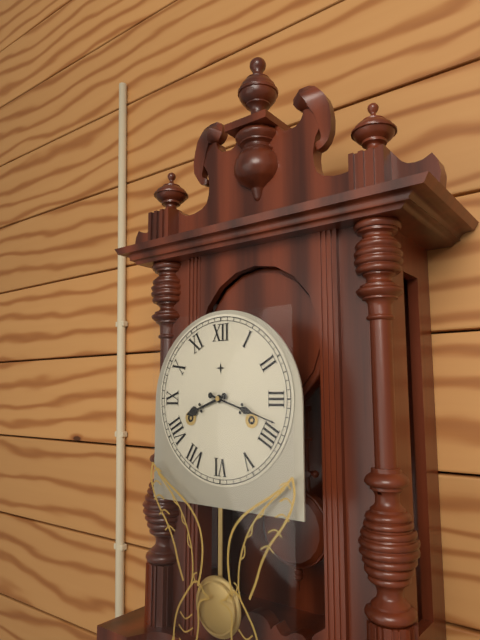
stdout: 8:18
